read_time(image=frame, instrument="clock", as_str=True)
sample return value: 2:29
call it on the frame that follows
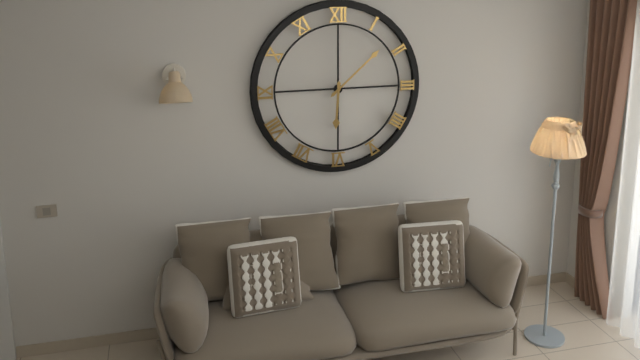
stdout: 6:08
